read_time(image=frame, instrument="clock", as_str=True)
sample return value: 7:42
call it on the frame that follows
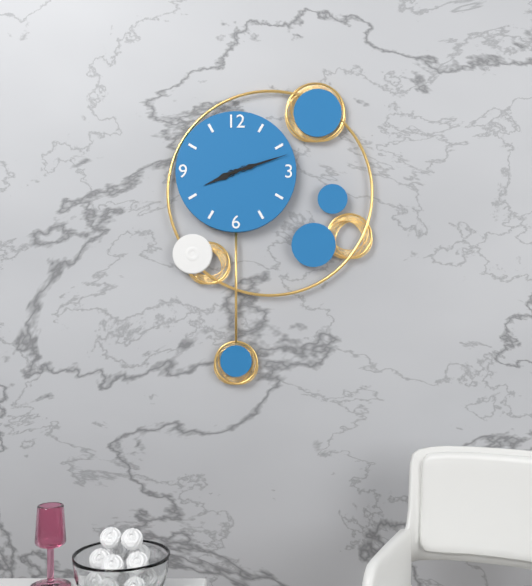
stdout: 8:12
